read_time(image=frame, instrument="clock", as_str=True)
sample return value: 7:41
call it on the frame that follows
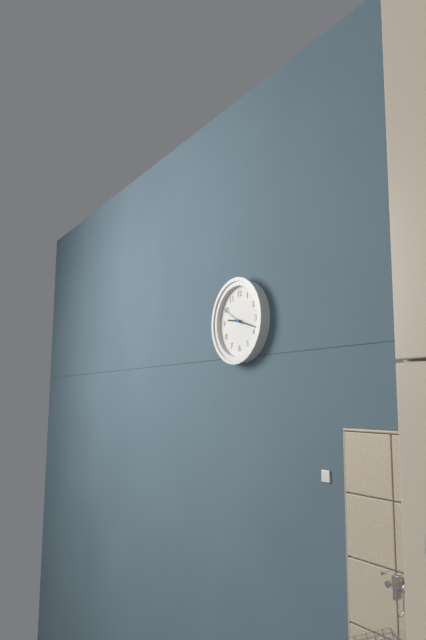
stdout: 9:18
